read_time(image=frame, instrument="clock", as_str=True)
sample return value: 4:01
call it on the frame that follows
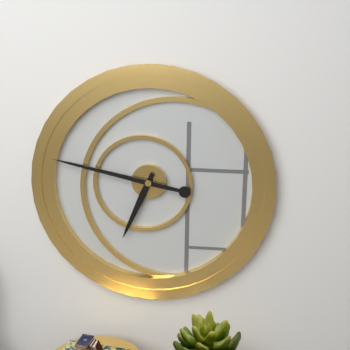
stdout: 6:47
